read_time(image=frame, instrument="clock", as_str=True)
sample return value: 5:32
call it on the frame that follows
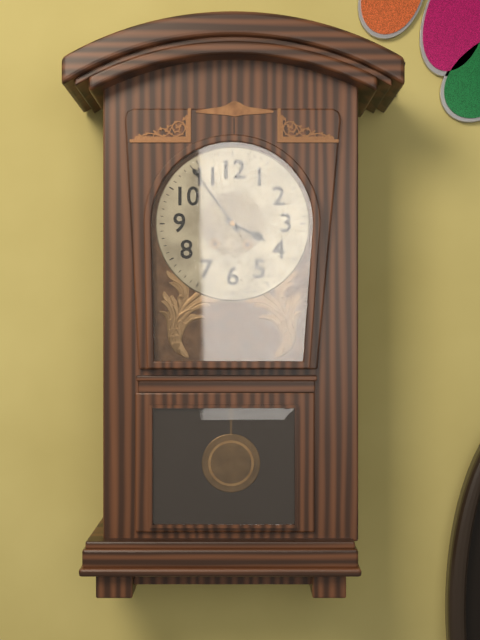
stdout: 3:54
